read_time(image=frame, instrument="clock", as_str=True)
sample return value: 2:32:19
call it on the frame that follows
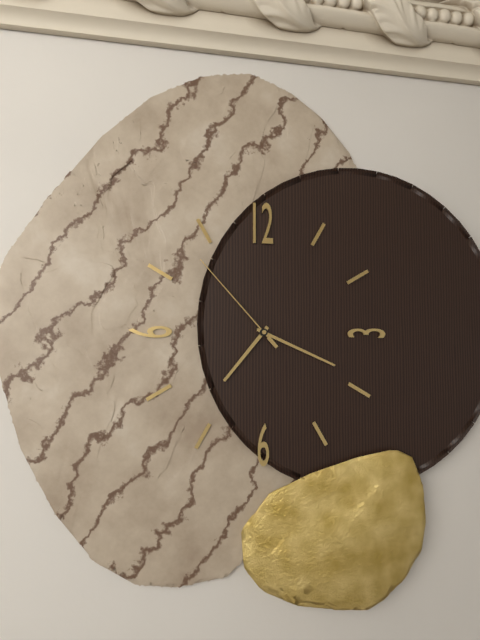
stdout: 7:19:53
